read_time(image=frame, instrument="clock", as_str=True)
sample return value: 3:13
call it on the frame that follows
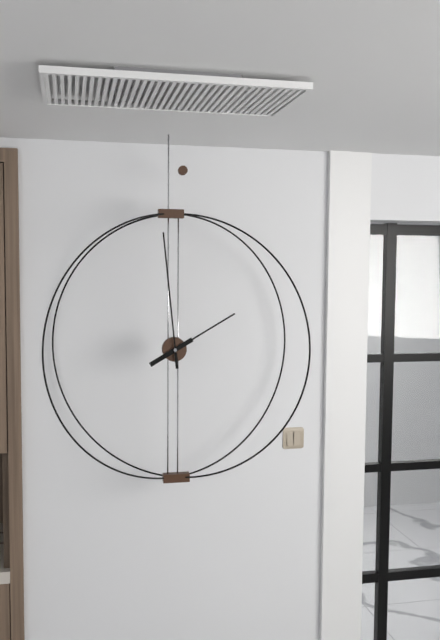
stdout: 1:59
